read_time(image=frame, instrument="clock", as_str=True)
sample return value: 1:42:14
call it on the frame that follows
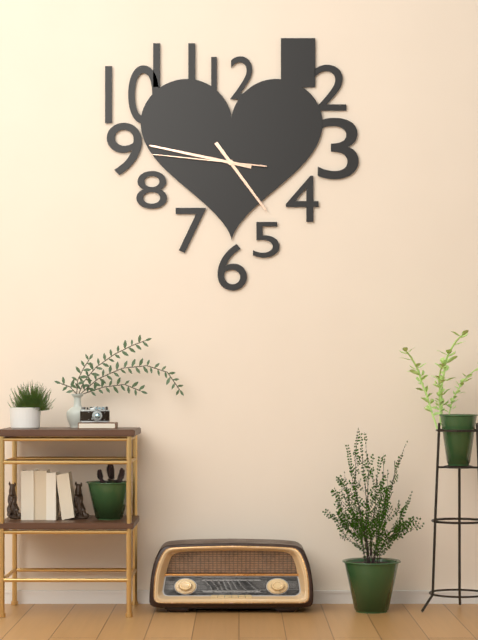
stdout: 4:47:46
